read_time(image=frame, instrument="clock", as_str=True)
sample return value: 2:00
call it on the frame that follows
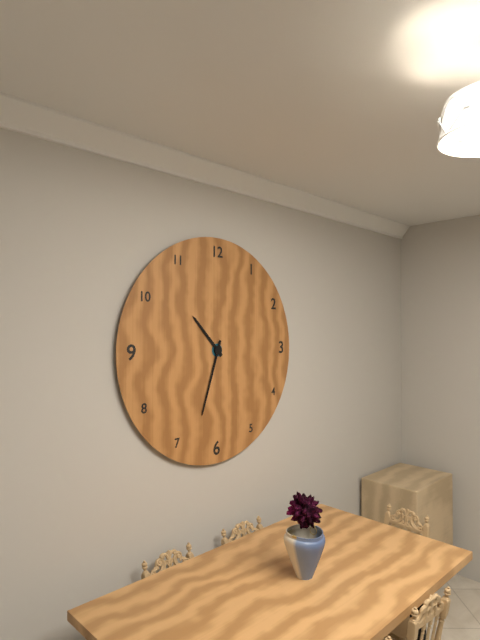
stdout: 10:33
